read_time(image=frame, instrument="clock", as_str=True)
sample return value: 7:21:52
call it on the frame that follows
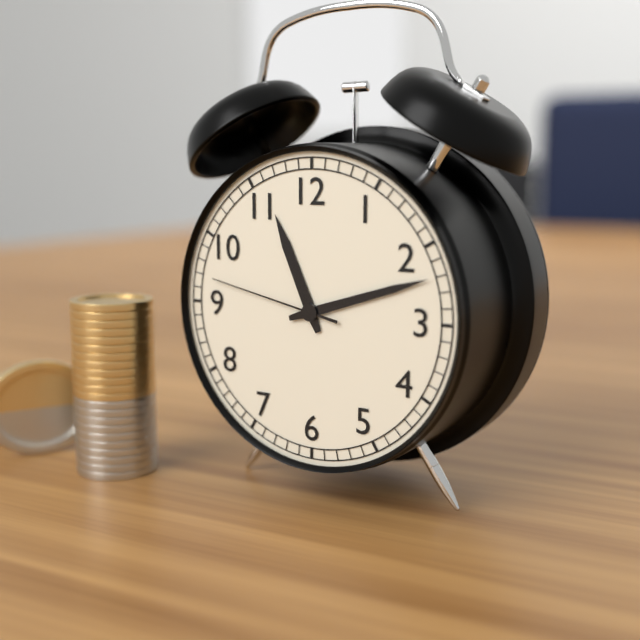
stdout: 11:12:47
